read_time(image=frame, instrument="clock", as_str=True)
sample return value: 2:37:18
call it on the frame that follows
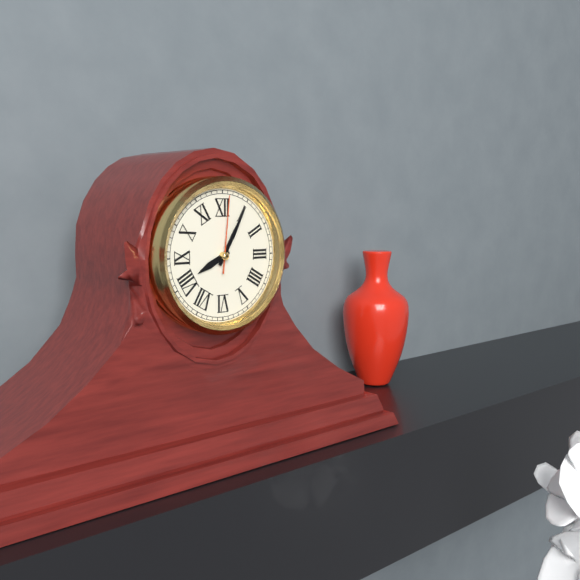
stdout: 8:05:01
